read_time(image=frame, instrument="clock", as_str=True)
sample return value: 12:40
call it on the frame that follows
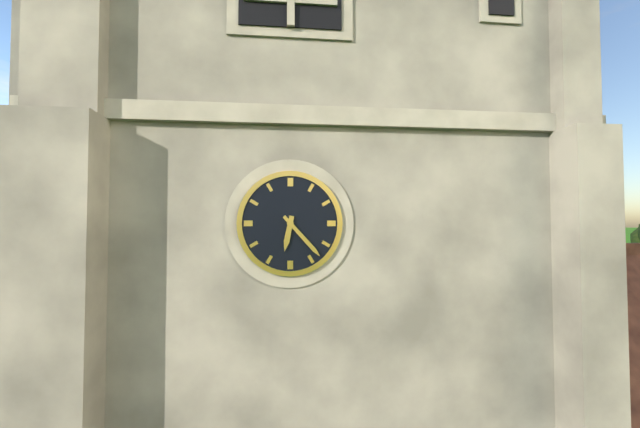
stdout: 6:23
